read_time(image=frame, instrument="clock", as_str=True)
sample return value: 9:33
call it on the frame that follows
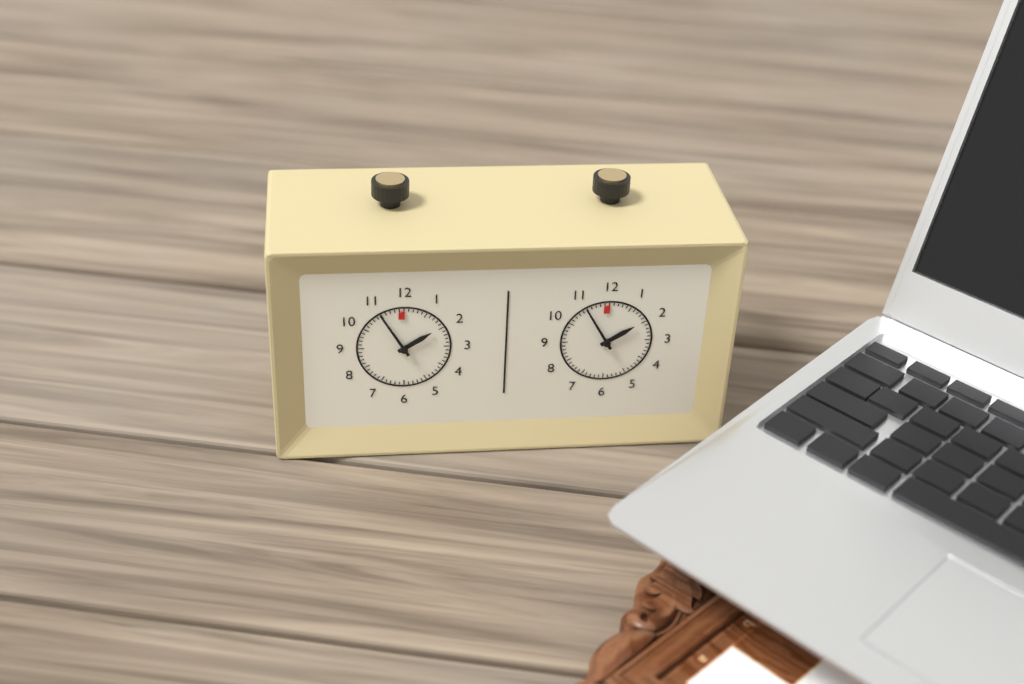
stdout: 1:55
